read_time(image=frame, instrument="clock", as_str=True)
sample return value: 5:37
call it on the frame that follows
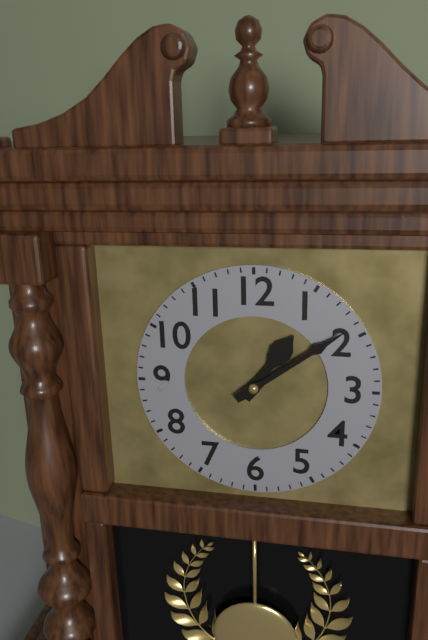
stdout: 1:09
